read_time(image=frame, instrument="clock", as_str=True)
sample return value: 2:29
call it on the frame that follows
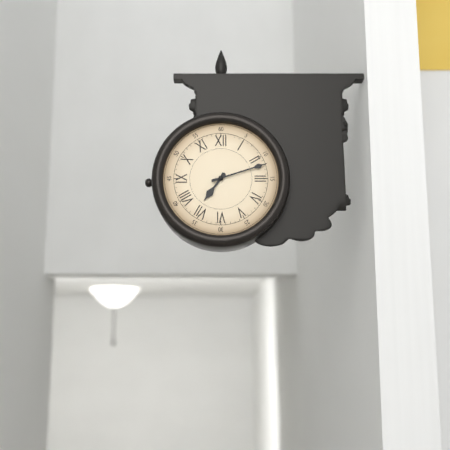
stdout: 7:12
